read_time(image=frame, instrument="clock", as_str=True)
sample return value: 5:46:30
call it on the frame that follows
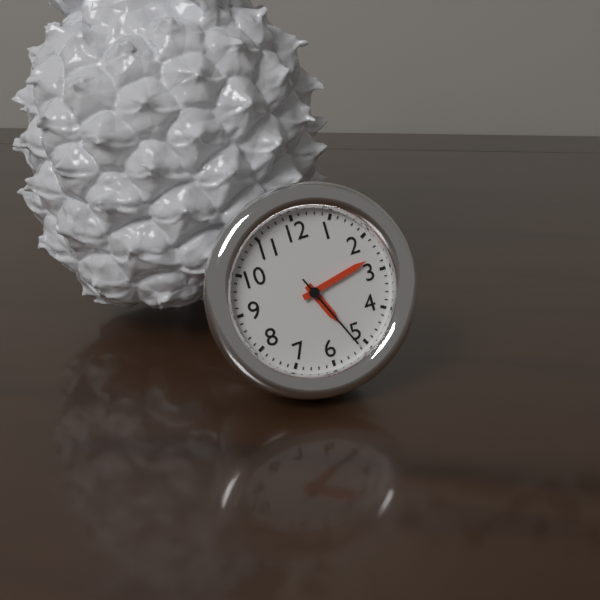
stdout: 5:13:26
